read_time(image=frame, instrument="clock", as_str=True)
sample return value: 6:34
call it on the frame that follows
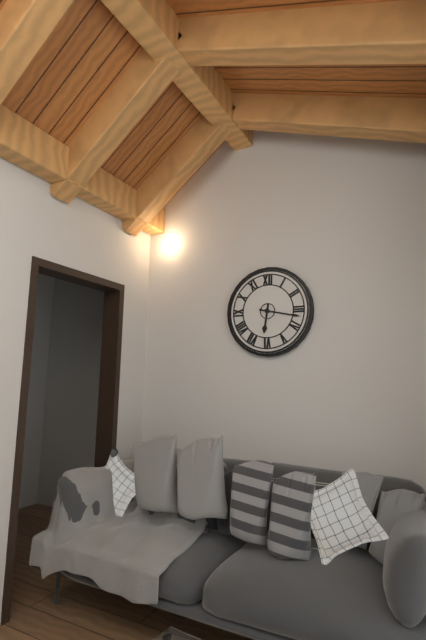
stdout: 6:17
